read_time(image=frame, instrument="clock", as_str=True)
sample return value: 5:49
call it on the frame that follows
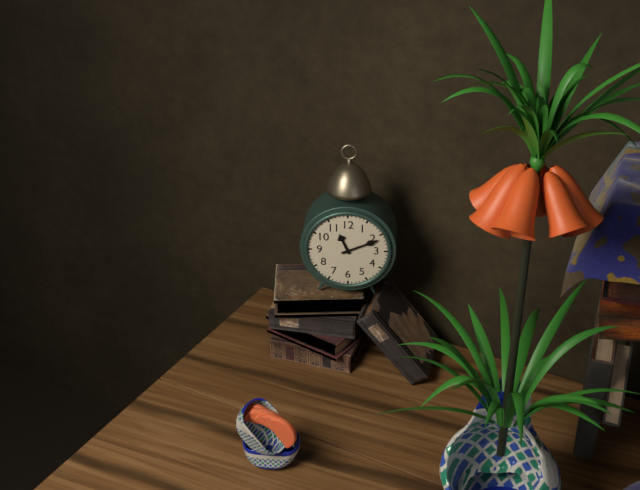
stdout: 11:11
